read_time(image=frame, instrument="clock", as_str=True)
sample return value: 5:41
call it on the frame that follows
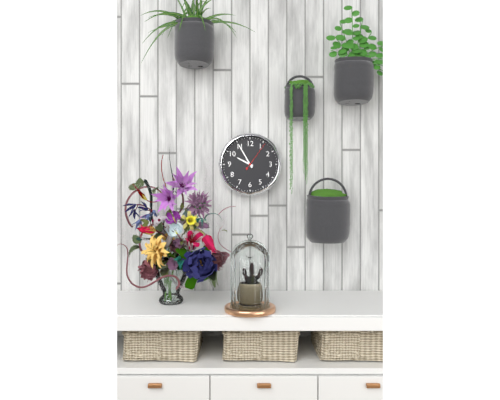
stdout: 9:55
